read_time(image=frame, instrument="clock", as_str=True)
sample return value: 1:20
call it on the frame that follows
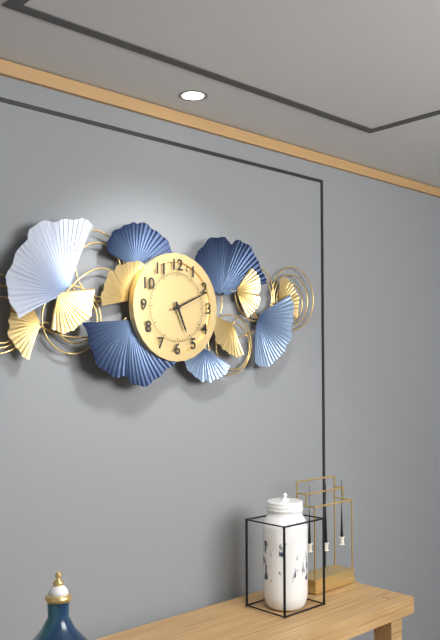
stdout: 5:11
